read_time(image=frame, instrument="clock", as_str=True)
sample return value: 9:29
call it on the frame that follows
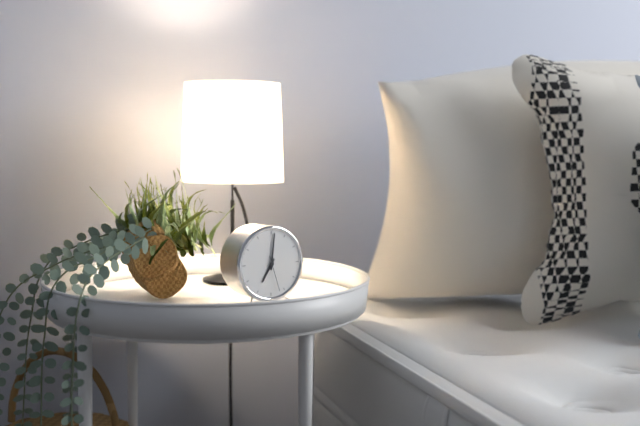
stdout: 7:01
